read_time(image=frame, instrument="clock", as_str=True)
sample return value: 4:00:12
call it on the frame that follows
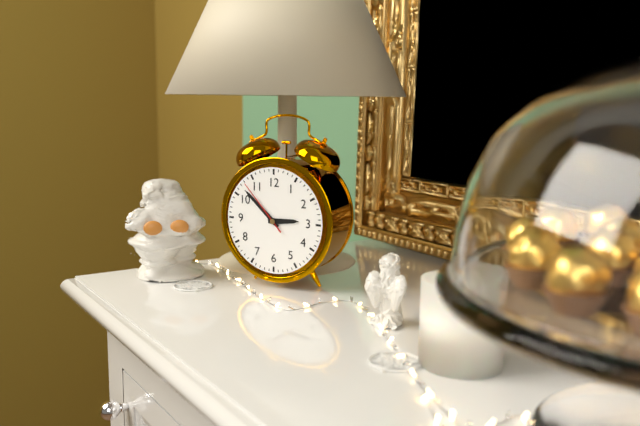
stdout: 2:52:53
